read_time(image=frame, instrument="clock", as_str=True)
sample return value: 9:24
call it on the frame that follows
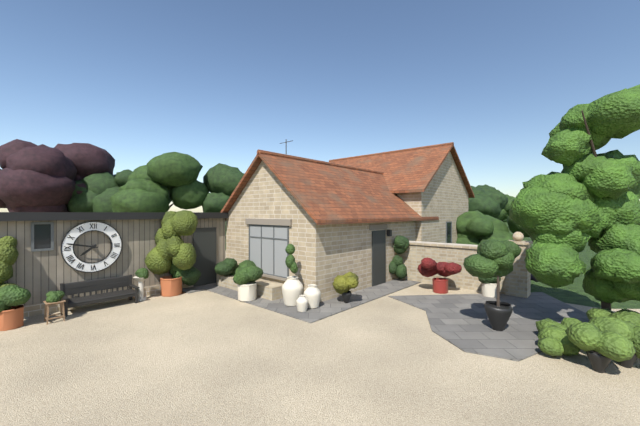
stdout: 7:47
